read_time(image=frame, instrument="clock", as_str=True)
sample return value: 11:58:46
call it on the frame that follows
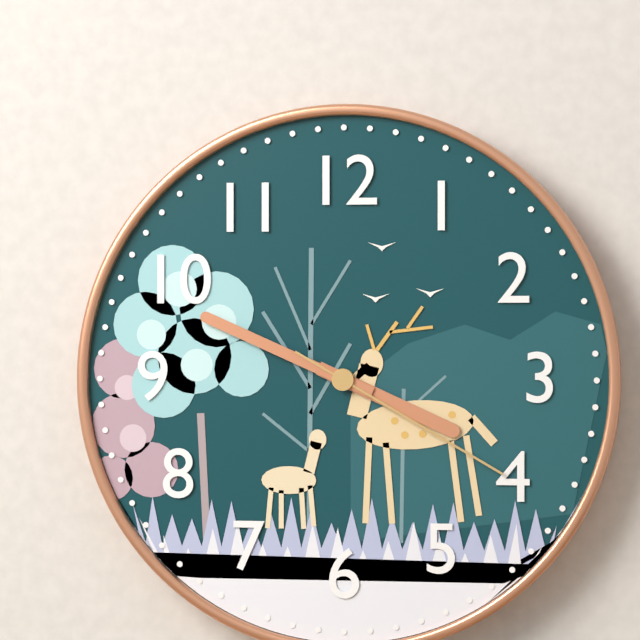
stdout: 3:49:20
